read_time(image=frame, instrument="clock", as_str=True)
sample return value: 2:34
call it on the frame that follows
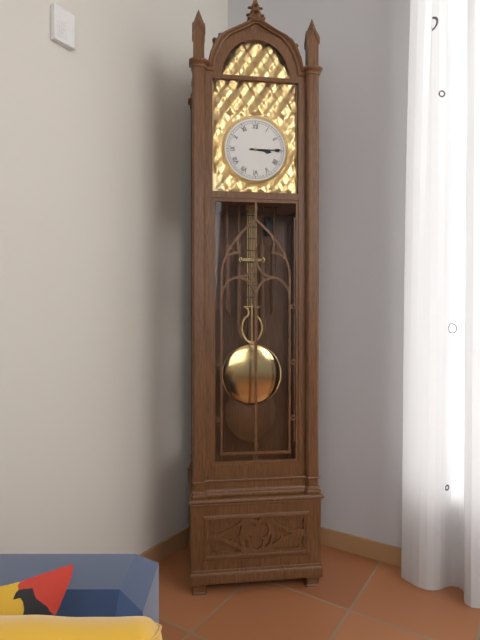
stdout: 3:15
